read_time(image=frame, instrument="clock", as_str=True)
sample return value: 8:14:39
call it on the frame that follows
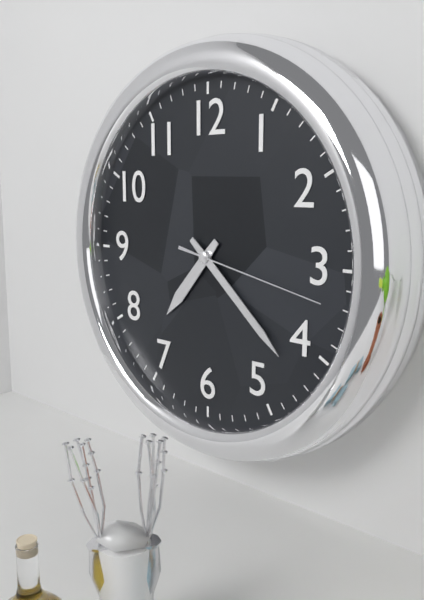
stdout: 7:22:17
